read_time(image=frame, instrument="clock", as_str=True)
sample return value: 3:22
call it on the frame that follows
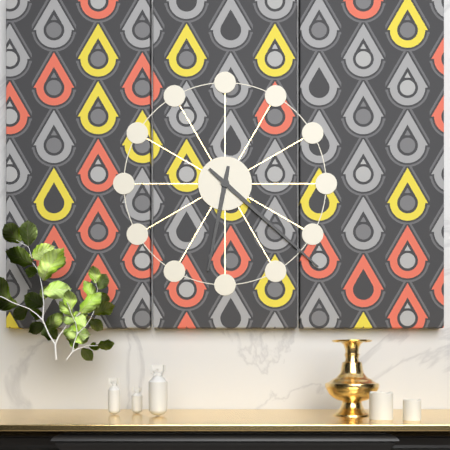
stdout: 6:22
